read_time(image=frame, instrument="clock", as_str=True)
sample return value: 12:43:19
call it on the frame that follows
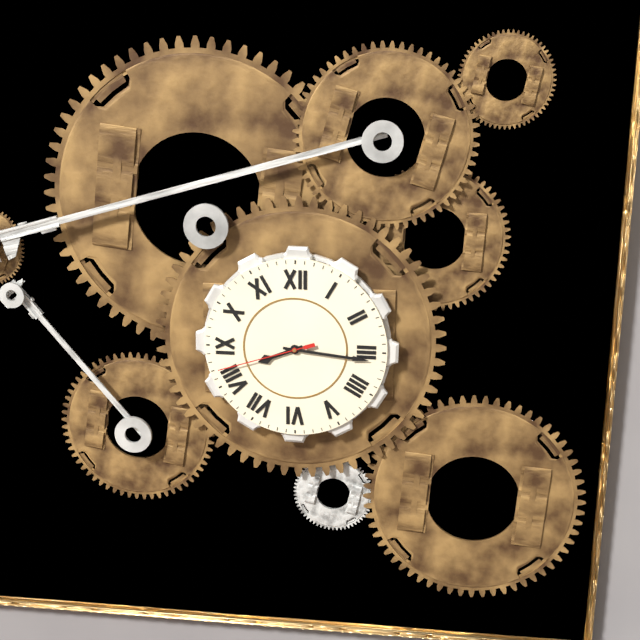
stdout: 8:16:42
